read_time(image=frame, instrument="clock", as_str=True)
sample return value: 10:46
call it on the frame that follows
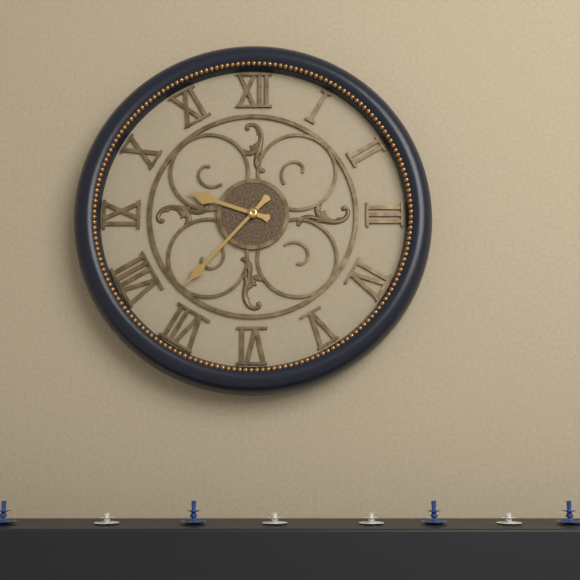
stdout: 9:37
